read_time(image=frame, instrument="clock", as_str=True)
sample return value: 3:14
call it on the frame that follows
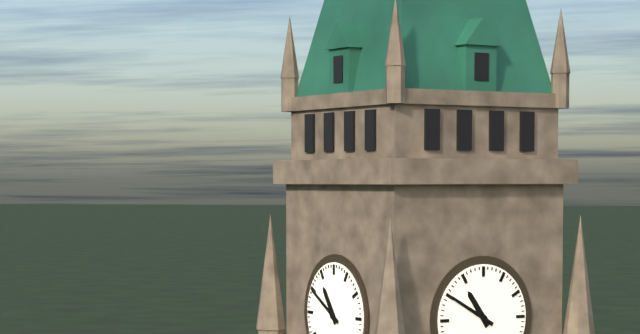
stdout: 10:50
